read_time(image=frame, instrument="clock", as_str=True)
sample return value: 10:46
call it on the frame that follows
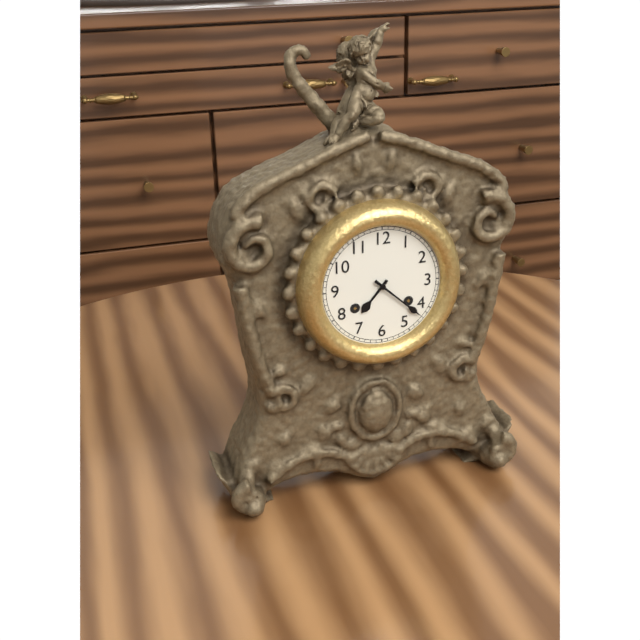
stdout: 7:22
